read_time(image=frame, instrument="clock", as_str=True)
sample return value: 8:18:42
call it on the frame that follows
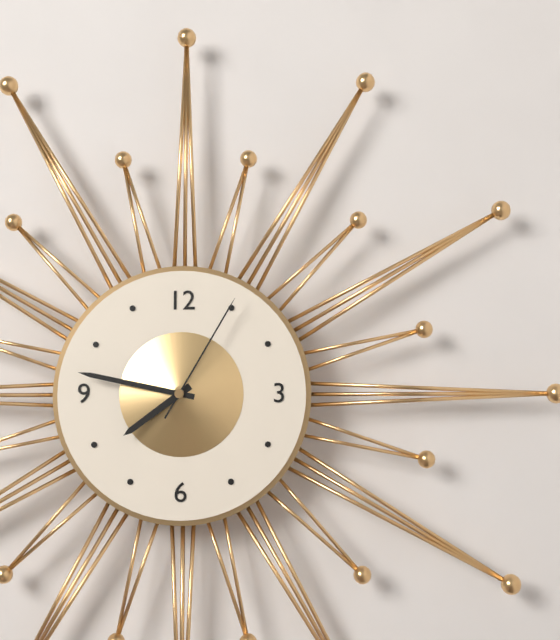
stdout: 7:47:05
